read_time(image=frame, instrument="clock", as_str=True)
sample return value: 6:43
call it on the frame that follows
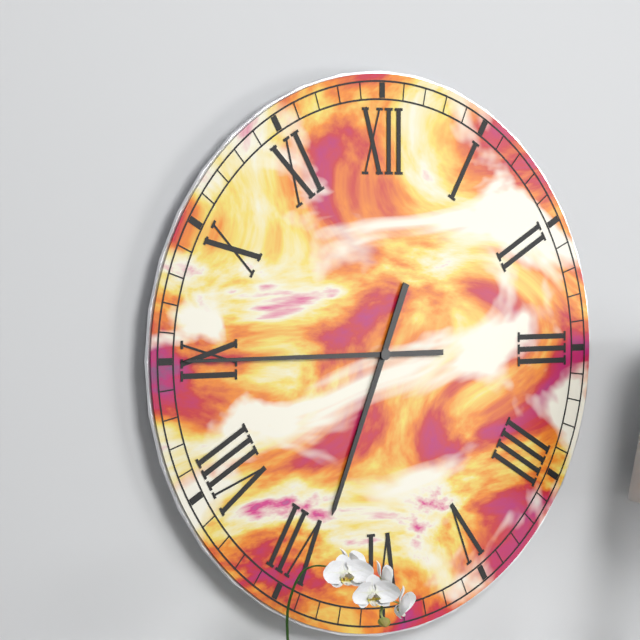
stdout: 6:45
